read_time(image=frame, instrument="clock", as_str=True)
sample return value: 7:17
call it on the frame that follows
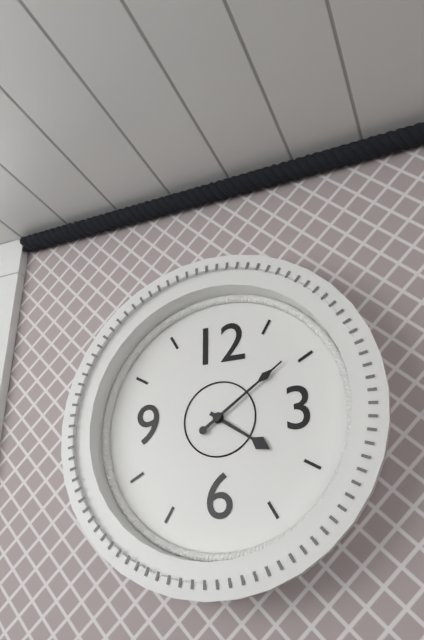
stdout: 4:09
